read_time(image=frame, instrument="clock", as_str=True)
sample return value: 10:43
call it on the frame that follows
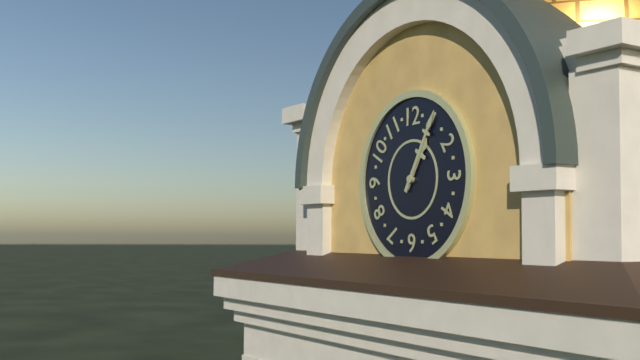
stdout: 1:05
